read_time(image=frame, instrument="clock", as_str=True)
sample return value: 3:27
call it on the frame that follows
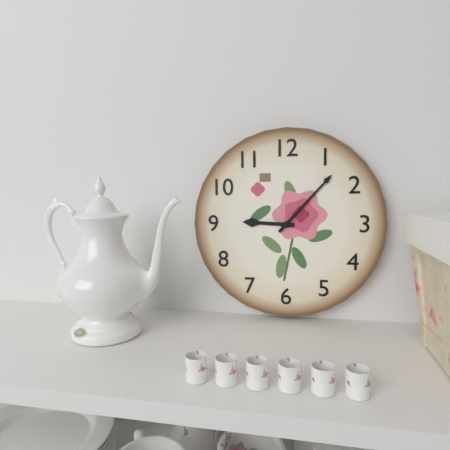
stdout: 9:07
